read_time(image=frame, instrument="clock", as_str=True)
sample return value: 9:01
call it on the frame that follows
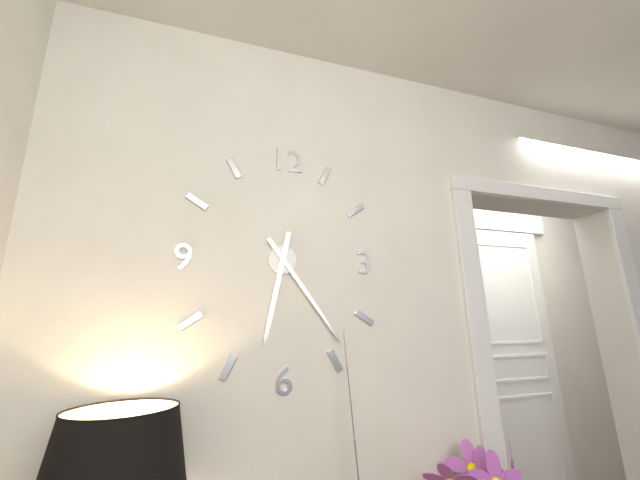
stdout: 6:24
